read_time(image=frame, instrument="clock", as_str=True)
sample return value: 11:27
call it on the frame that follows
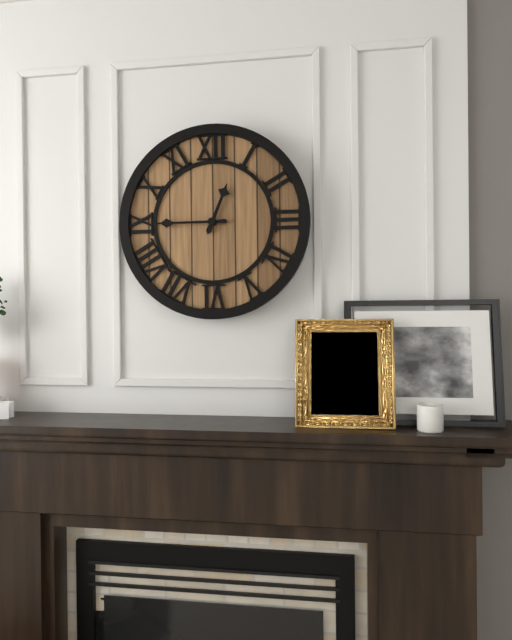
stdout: 12:45
